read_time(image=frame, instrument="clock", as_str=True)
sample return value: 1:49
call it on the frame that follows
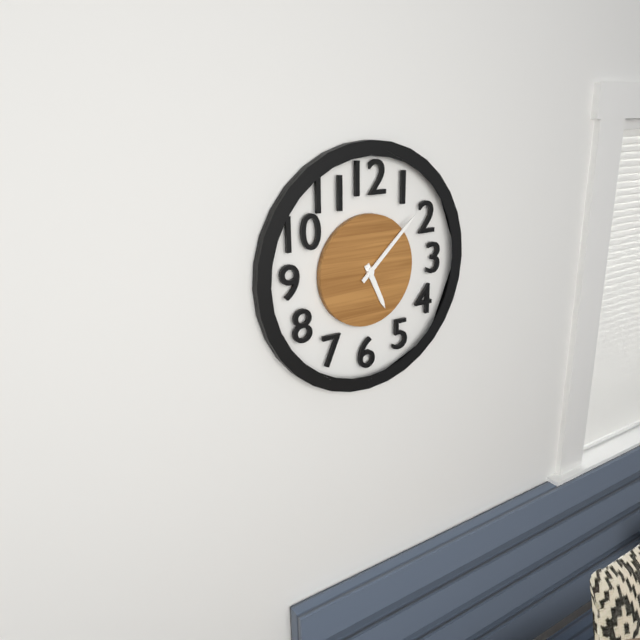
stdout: 5:08
